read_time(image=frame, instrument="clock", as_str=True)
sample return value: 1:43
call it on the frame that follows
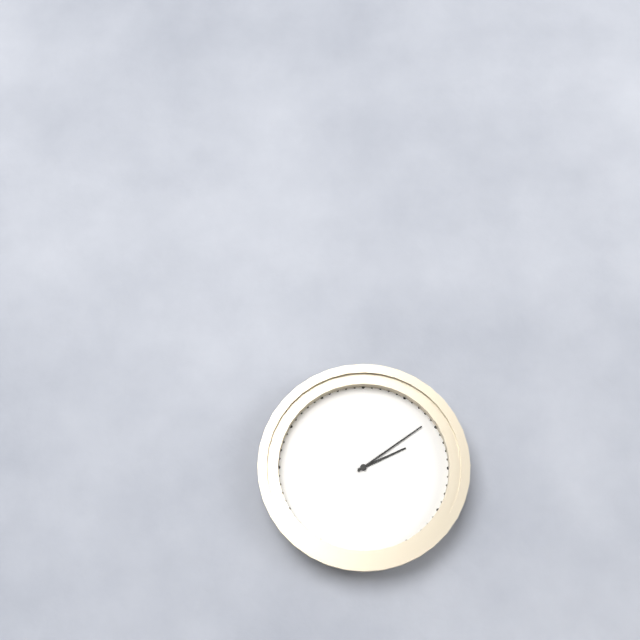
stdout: 2:09
